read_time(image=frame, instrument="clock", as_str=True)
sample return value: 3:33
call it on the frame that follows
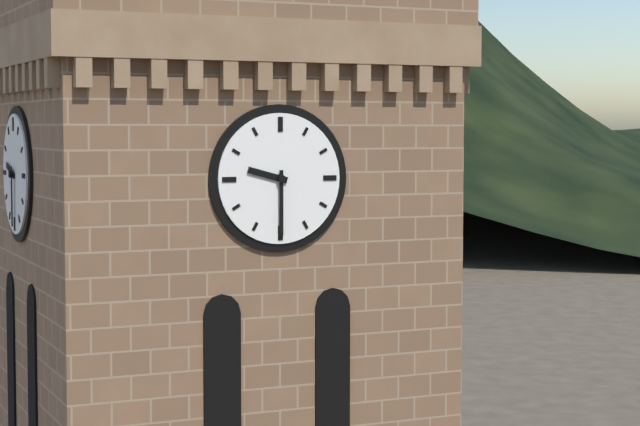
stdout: 9:30
